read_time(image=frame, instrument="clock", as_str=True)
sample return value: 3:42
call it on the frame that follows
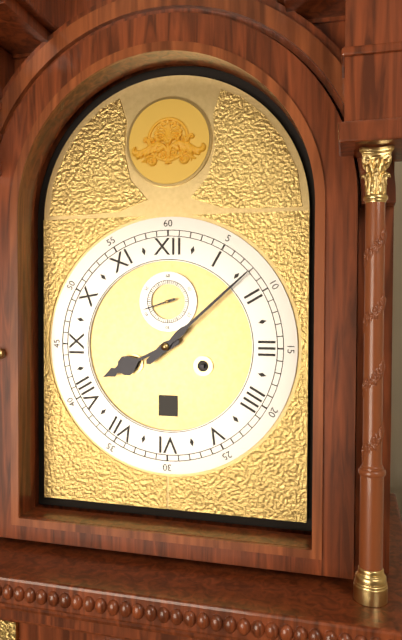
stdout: 8:08
